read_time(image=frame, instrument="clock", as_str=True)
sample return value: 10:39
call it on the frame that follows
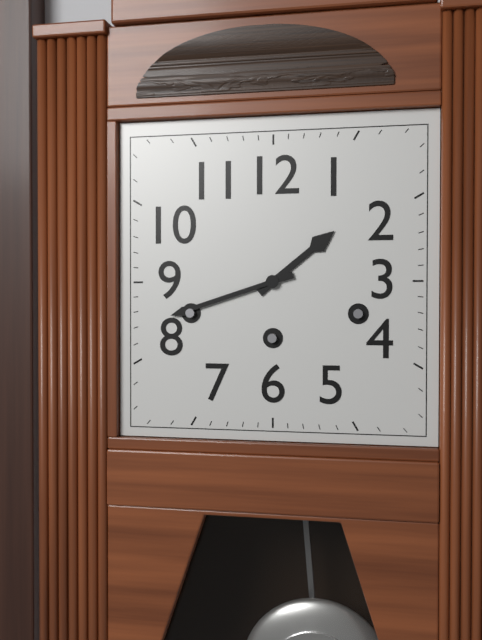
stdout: 1:42
